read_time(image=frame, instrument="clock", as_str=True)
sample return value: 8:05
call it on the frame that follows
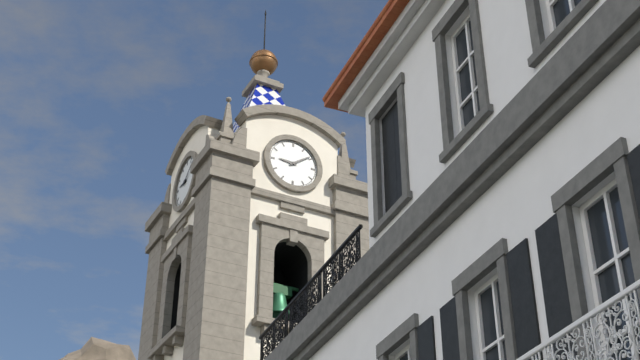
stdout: 9:09
